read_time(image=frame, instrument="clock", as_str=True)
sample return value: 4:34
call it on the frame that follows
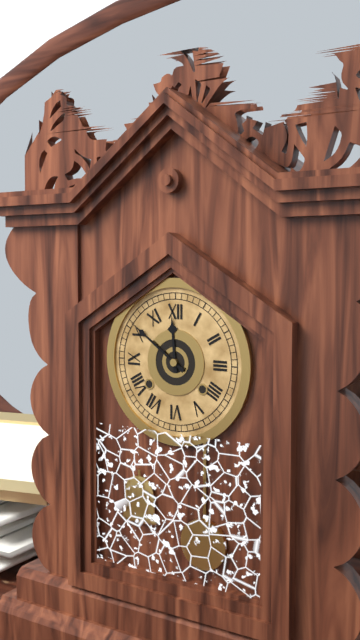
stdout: 11:51
